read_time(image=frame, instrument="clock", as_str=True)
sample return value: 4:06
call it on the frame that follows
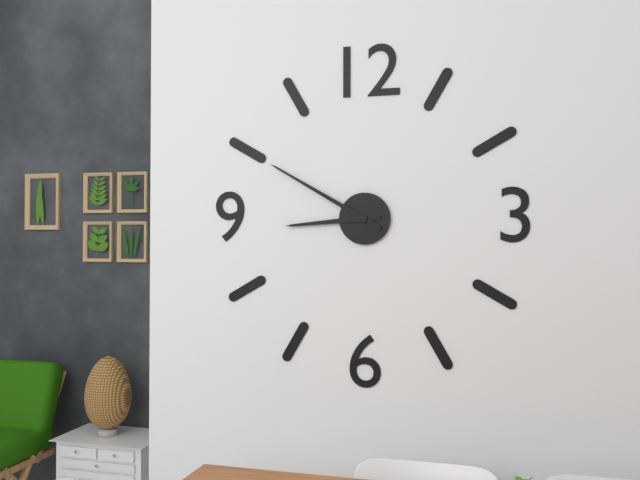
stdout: 8:50
